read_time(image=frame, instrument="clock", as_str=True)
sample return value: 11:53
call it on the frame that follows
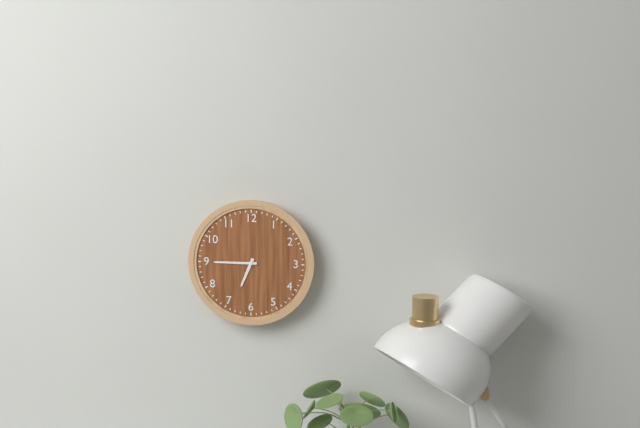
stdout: 6:45
